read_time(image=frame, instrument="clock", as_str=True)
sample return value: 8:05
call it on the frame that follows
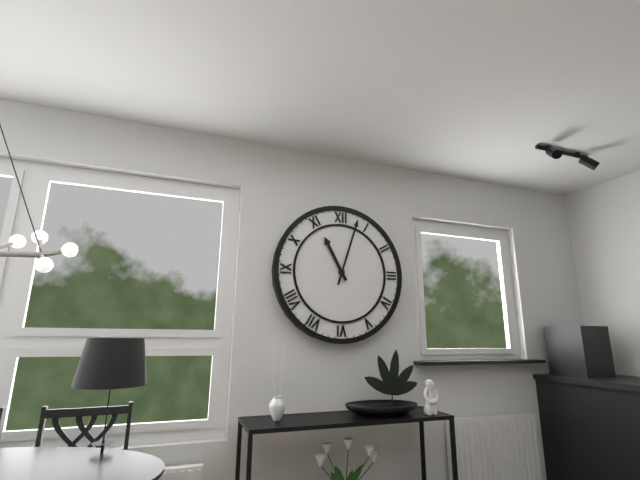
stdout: 11:03
